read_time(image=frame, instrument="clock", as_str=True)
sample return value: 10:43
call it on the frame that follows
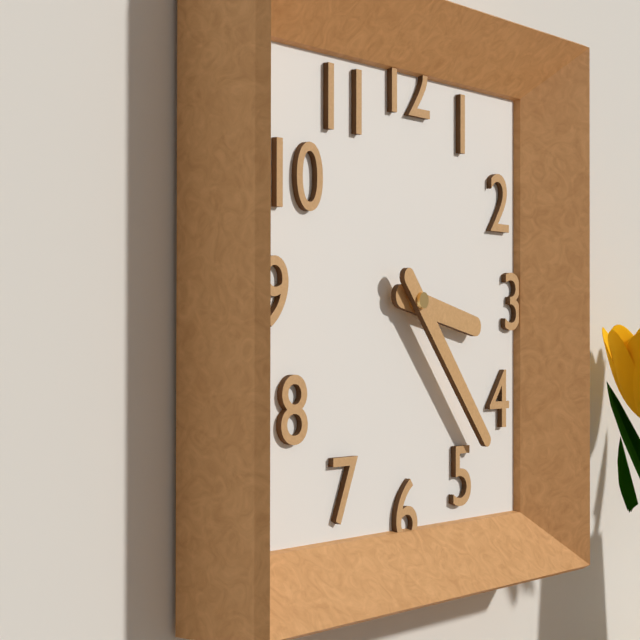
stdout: 3:23
